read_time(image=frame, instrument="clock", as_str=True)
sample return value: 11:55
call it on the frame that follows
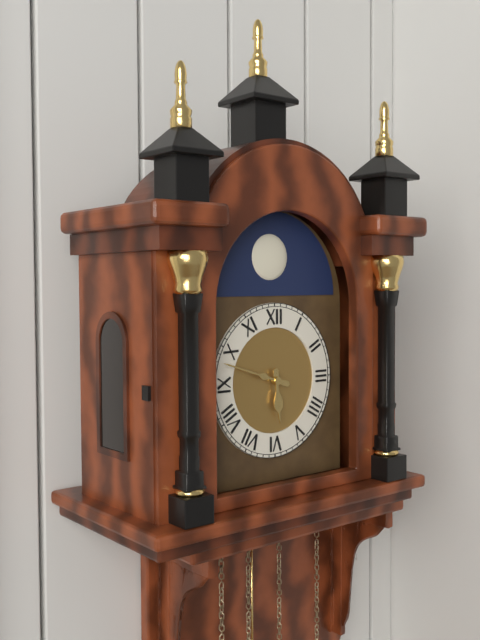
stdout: 5:48
